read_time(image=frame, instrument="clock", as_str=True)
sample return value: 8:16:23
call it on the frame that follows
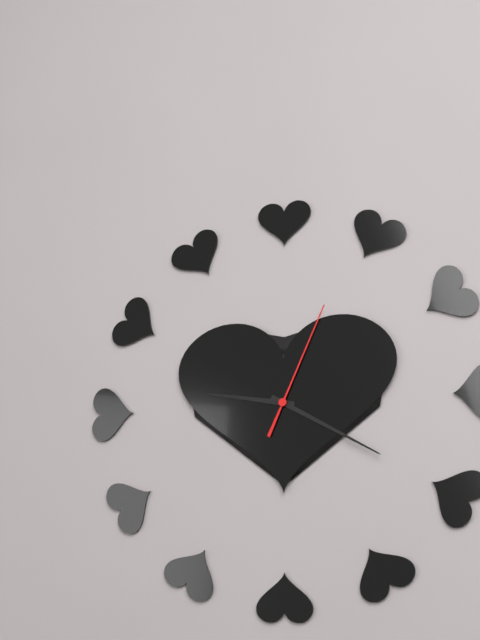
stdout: 9:20:04
